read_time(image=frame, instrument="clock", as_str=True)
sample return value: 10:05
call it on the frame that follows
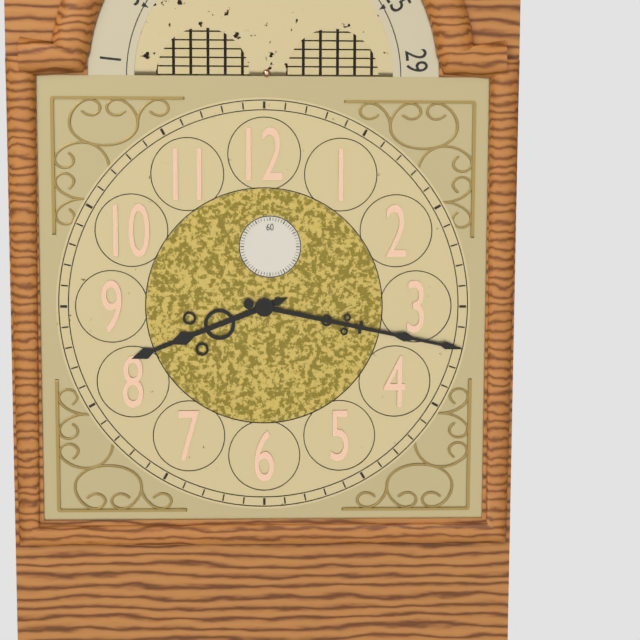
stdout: 8:17
